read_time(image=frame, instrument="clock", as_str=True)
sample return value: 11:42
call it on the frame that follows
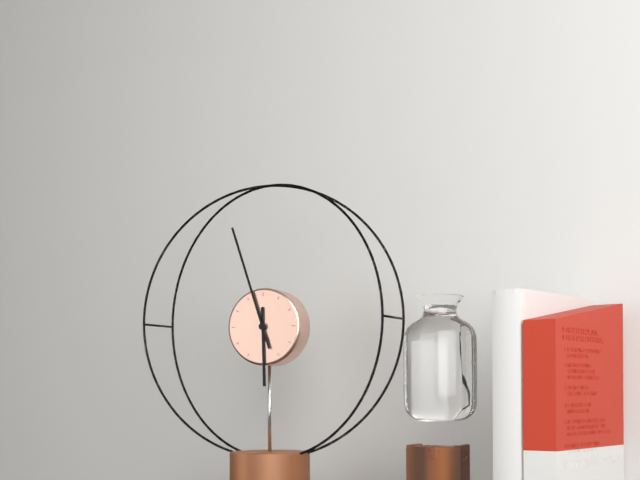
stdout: 5:57
